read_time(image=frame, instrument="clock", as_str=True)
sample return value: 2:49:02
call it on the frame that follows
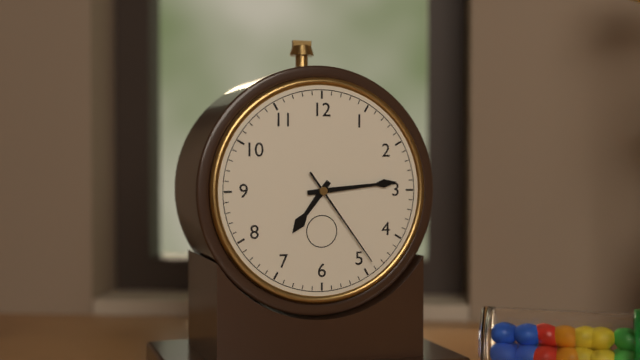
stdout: 7:14:24
